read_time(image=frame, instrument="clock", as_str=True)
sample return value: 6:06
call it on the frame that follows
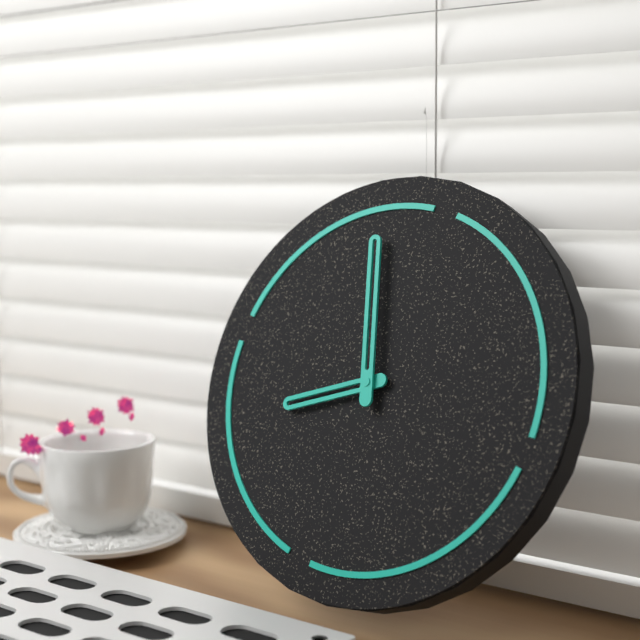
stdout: 7:56
